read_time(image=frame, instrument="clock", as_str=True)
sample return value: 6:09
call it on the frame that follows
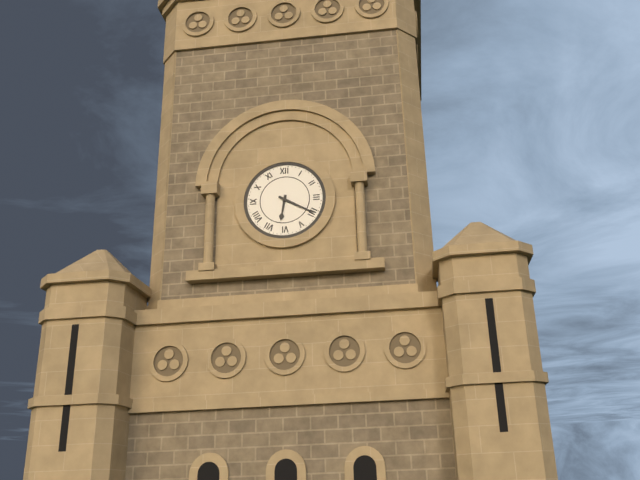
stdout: 6:20
